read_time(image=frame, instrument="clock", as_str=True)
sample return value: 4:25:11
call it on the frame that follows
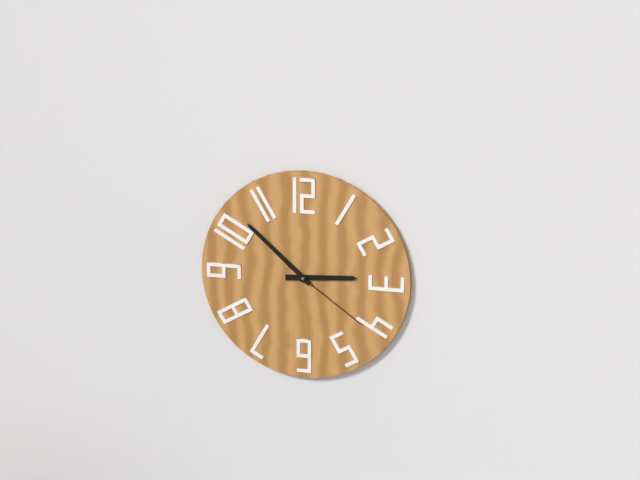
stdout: 2:52:21
